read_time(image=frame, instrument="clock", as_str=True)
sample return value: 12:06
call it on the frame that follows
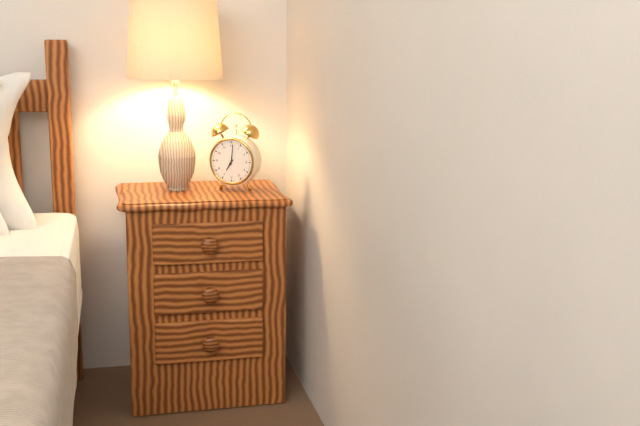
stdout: 7:01
